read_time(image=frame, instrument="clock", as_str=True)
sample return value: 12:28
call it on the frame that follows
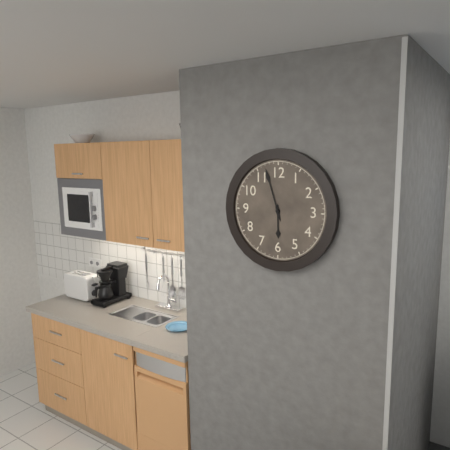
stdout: 5:57
